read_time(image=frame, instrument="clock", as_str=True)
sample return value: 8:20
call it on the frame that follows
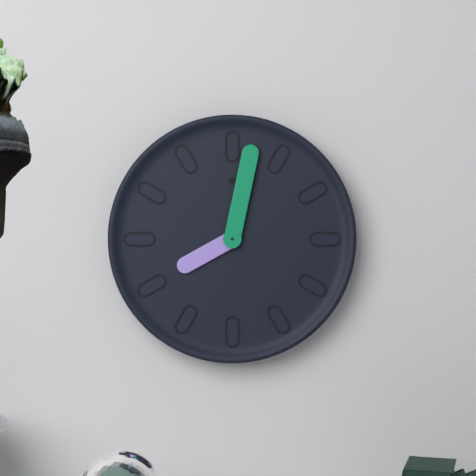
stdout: 8:02
